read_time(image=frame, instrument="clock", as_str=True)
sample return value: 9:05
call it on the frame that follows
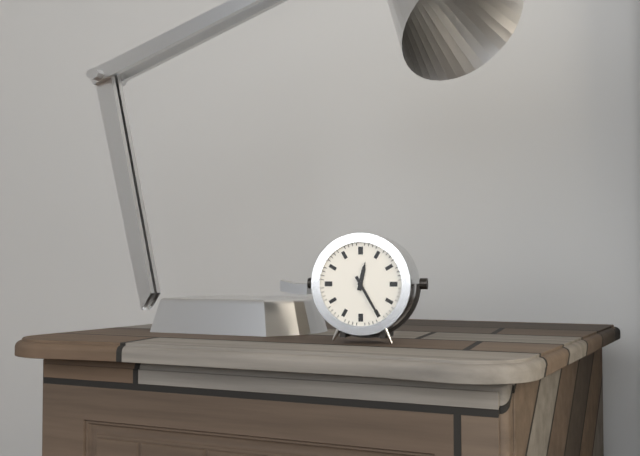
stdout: 12:25
